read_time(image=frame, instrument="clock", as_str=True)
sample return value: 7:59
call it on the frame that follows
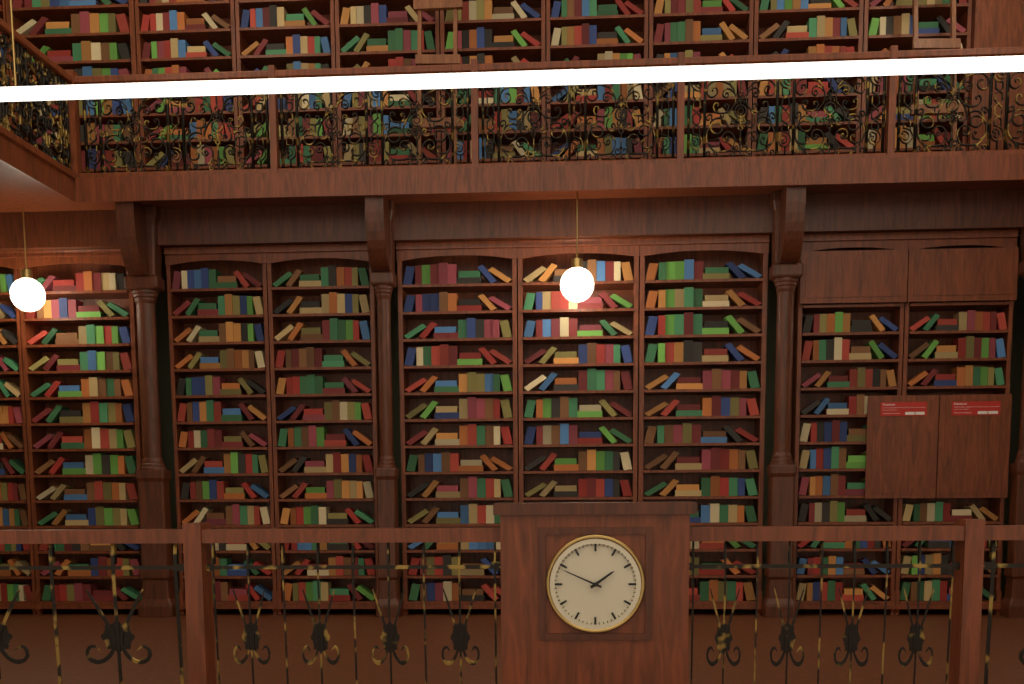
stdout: 1:49
